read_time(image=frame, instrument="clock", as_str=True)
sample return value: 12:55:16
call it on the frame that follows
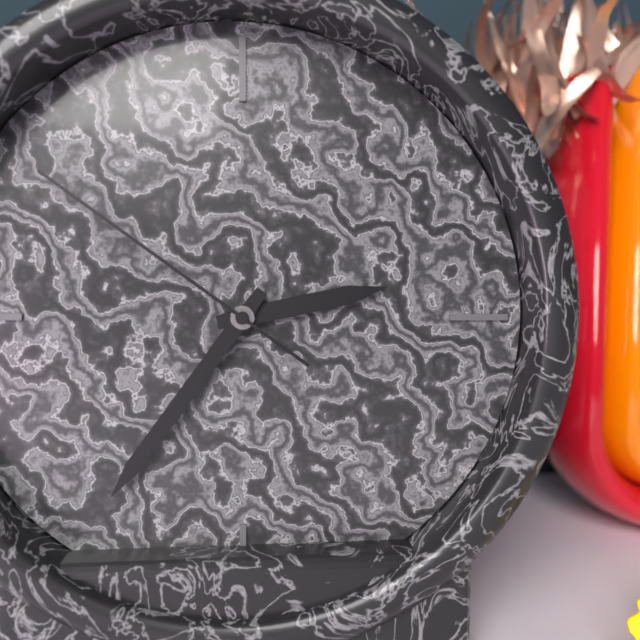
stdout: 2:36:51
